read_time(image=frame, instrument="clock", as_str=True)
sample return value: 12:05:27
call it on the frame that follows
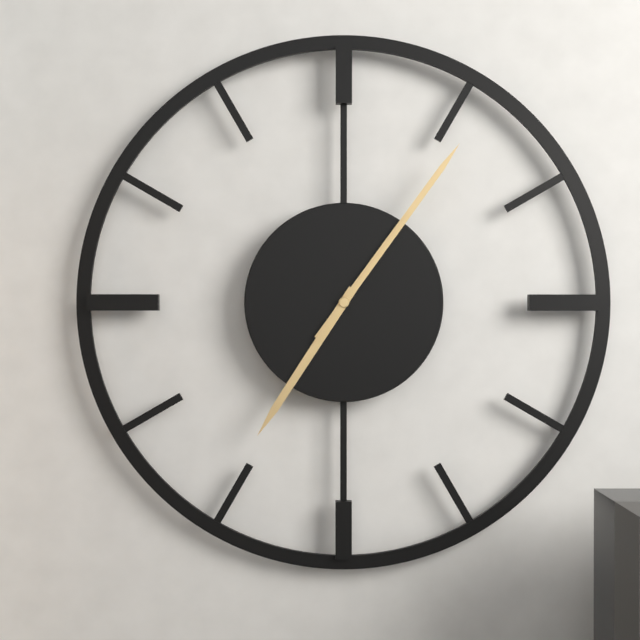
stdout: 7:06:06
